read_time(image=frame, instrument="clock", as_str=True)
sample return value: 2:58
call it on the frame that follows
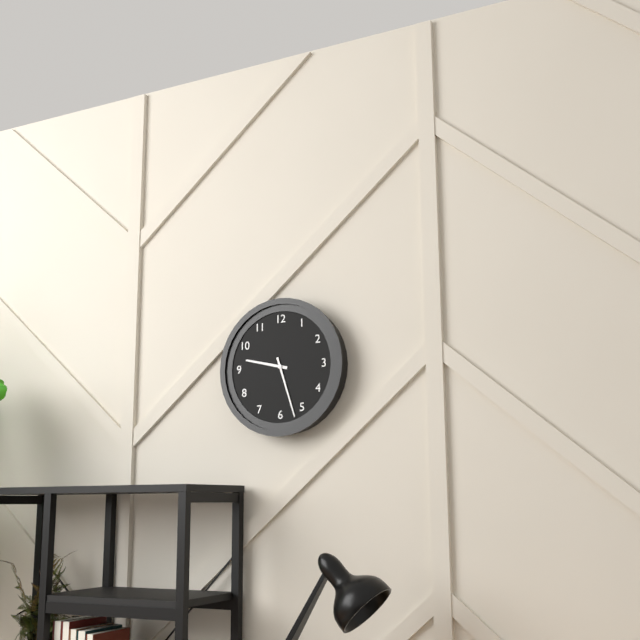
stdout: 9:27
